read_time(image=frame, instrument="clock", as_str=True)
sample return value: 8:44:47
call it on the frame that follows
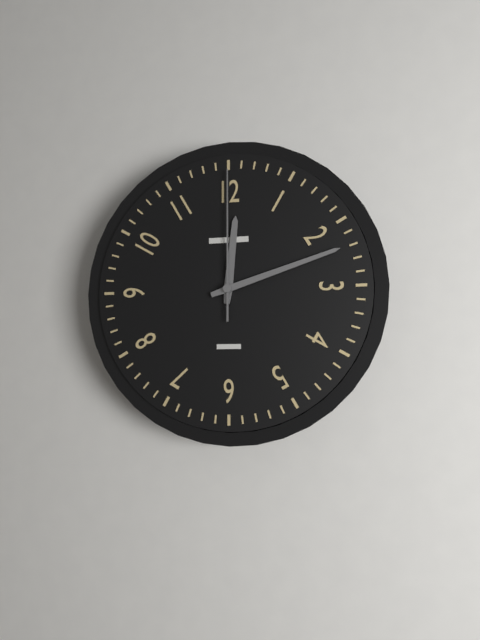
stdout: 12:12:00
